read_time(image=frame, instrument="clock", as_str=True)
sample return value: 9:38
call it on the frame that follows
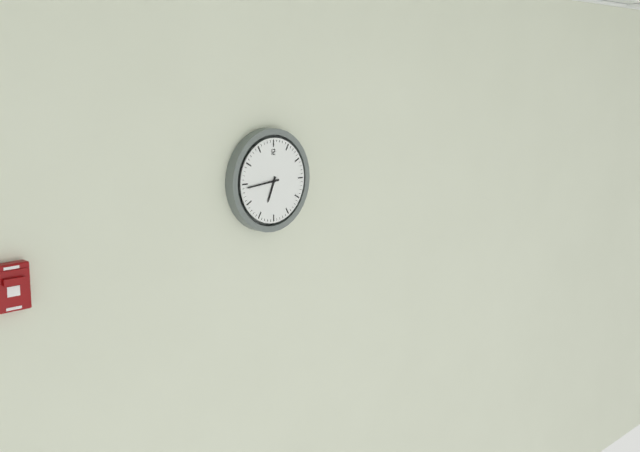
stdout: 6:44
